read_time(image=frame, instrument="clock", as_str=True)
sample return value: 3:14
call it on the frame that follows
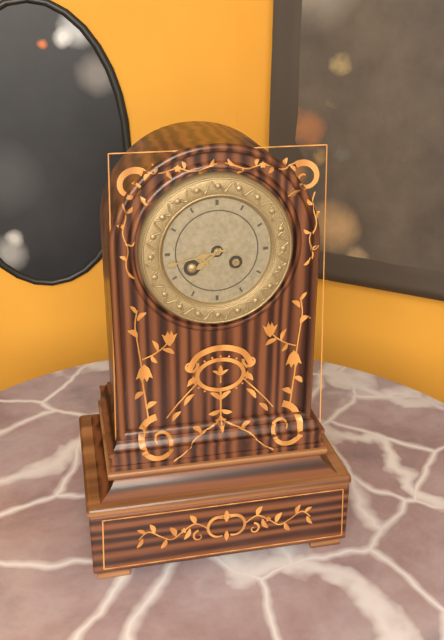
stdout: 7:43
